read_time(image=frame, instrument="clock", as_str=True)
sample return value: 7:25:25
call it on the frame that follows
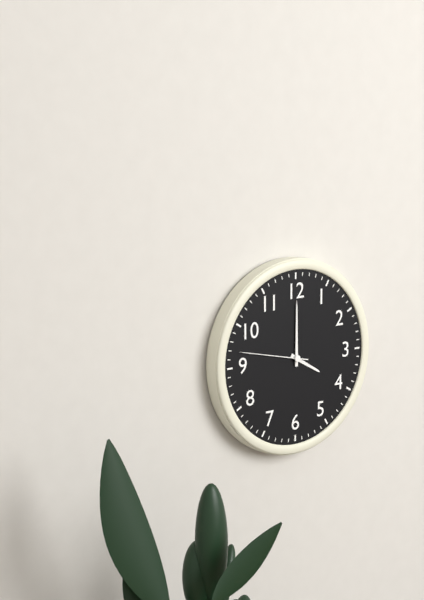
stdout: 4:00:47
